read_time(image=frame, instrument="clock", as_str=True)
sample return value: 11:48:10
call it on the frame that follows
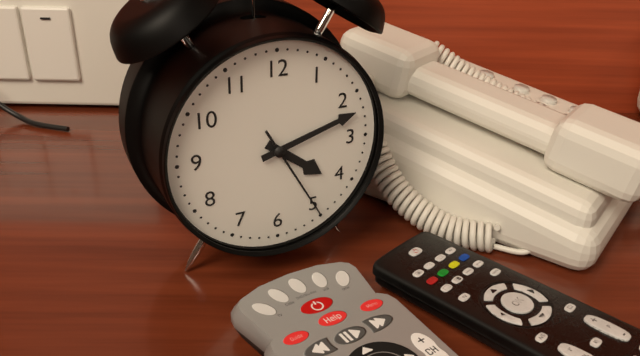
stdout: 4:12:25
